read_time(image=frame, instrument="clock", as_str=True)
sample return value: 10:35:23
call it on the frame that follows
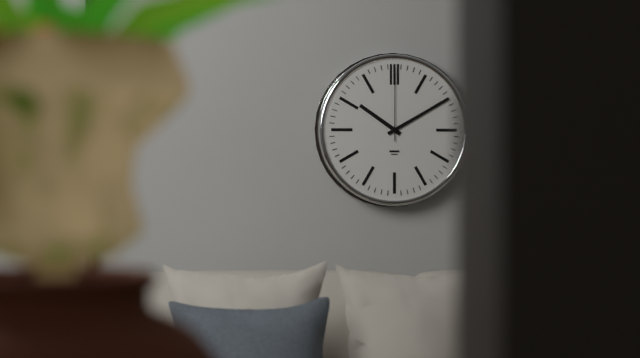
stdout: 10:10:00
